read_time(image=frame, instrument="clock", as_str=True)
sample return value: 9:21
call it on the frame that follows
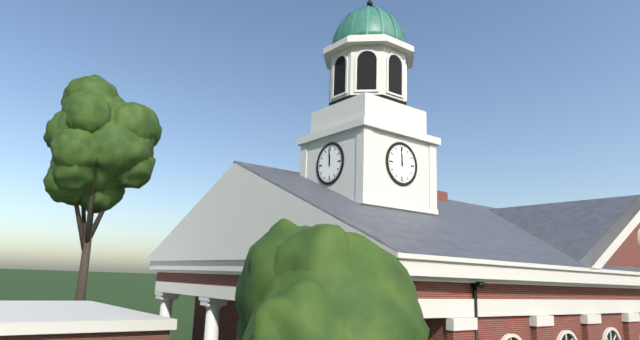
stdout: 11:59
